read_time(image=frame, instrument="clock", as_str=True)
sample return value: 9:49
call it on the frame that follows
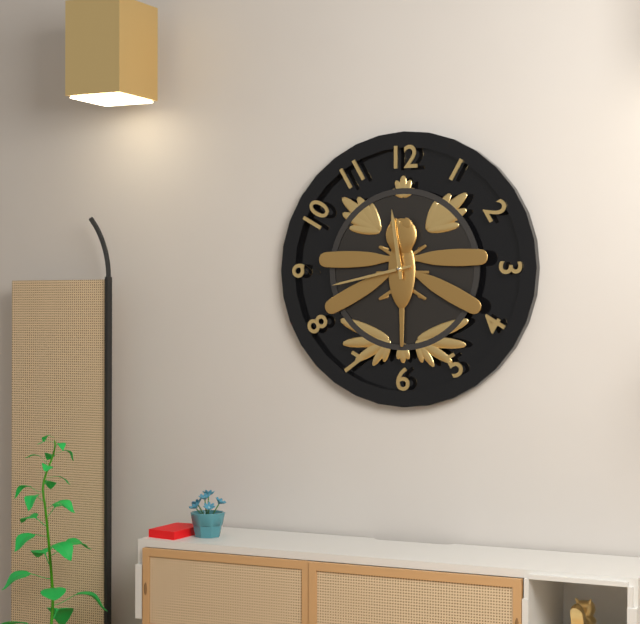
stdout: 11:43
